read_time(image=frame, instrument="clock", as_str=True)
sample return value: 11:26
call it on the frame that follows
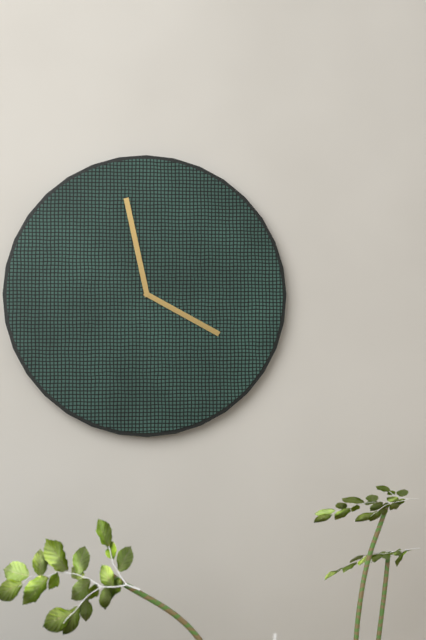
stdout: 3:58
